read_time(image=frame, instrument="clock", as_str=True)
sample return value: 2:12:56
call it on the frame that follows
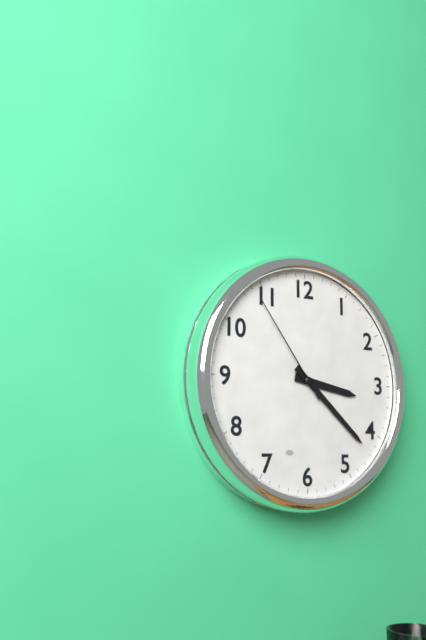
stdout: 3:22:54
